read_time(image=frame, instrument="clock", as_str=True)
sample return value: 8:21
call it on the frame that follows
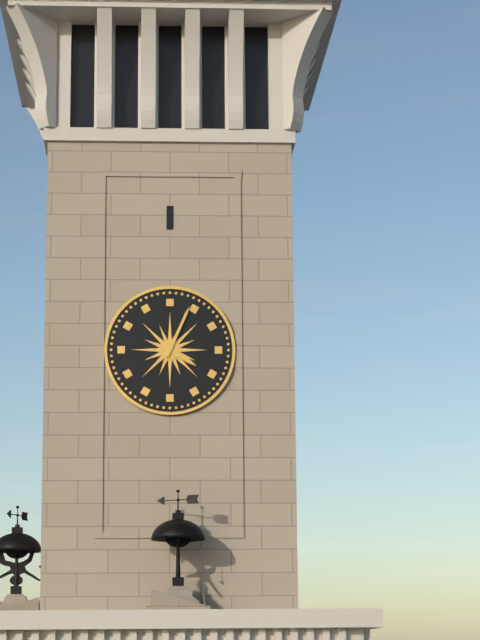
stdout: 4:04
